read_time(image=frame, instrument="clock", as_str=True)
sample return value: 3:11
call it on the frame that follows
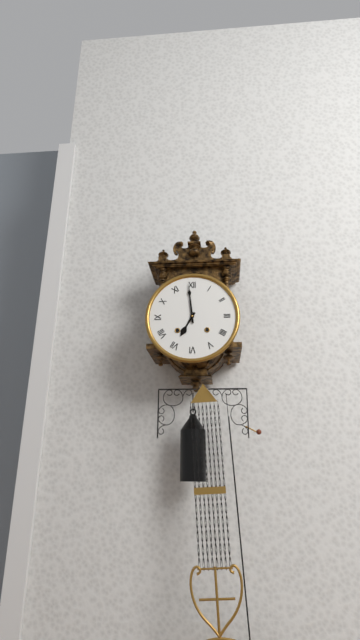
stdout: 6:59
